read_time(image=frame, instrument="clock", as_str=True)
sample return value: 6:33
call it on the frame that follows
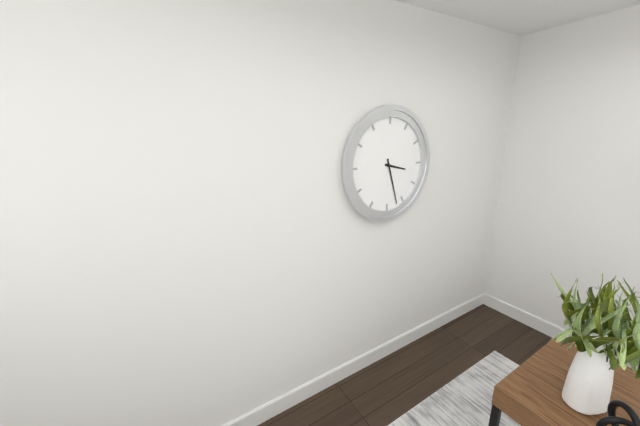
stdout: 3:27
